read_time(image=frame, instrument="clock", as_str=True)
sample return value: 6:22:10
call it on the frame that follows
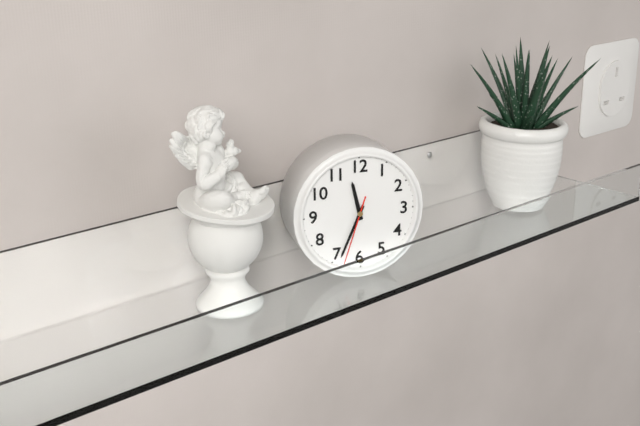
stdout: 11:34:33
